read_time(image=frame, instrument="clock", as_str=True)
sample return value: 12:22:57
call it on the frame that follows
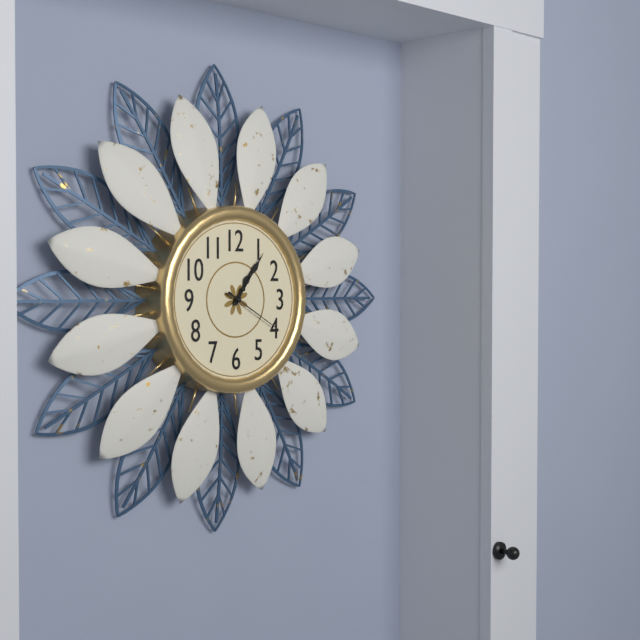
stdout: 1:06:20
